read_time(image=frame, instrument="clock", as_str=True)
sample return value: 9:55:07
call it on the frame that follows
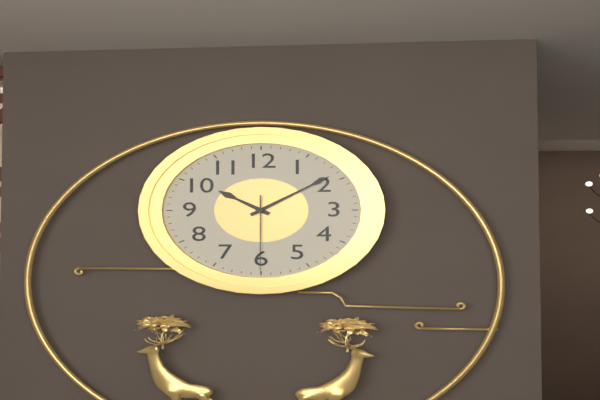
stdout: 10:09:30
